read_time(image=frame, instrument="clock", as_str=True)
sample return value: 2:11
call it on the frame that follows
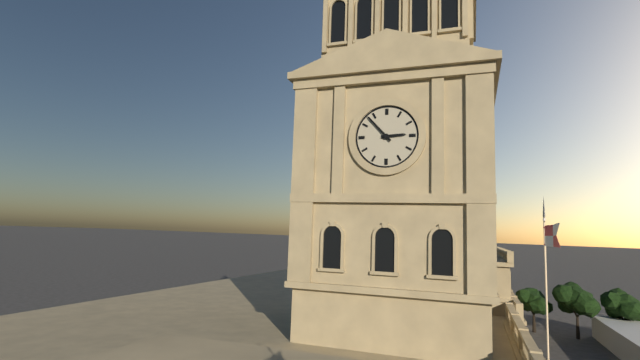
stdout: 2:53
